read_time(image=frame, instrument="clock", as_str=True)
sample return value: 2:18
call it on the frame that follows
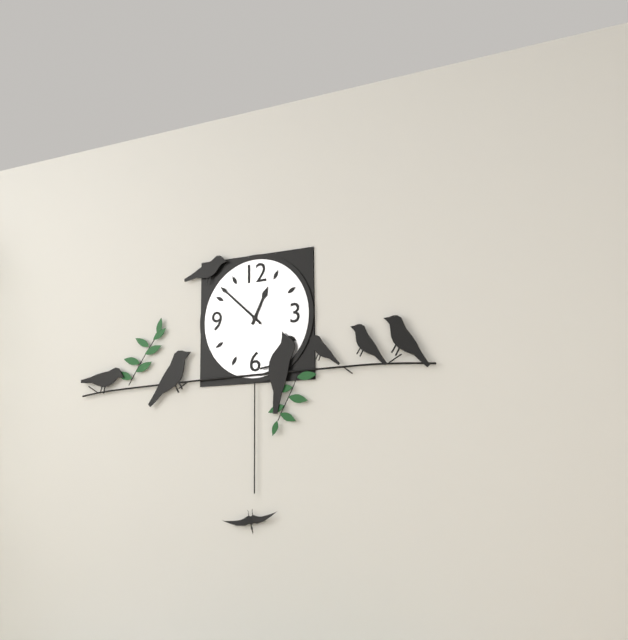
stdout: 12:52
